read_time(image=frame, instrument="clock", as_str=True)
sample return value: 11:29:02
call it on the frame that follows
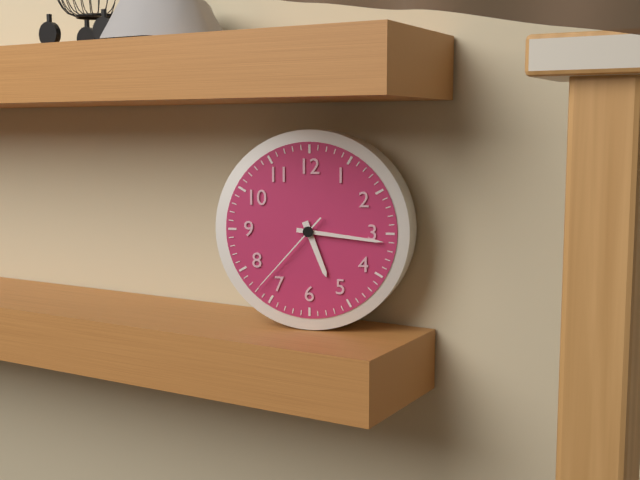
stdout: 5:16:37
